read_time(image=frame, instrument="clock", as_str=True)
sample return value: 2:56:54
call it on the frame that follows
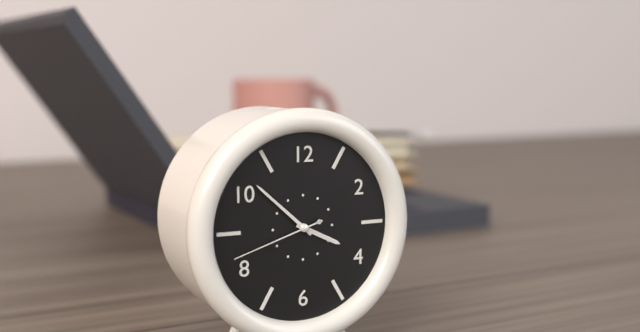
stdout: 3:52:42
